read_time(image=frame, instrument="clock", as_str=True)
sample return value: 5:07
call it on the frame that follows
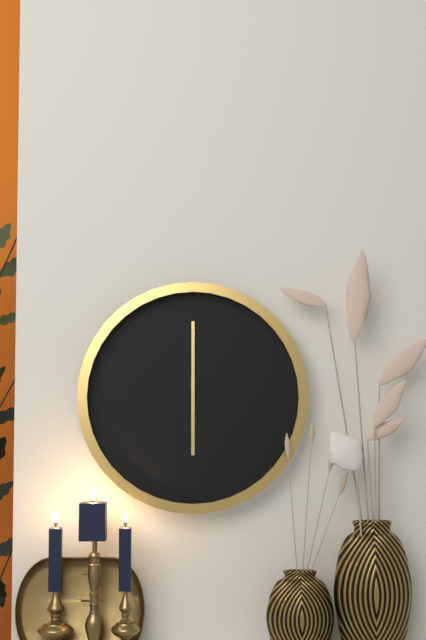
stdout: 6:00
